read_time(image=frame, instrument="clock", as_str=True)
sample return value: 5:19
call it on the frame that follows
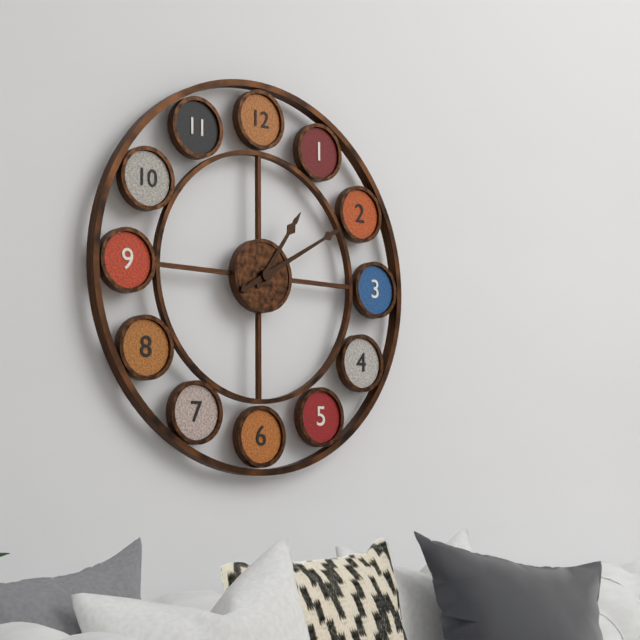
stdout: 1:10
